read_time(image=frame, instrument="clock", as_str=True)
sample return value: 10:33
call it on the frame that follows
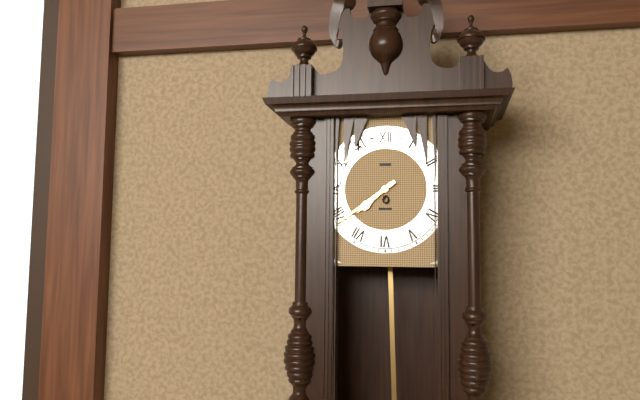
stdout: 7:39
